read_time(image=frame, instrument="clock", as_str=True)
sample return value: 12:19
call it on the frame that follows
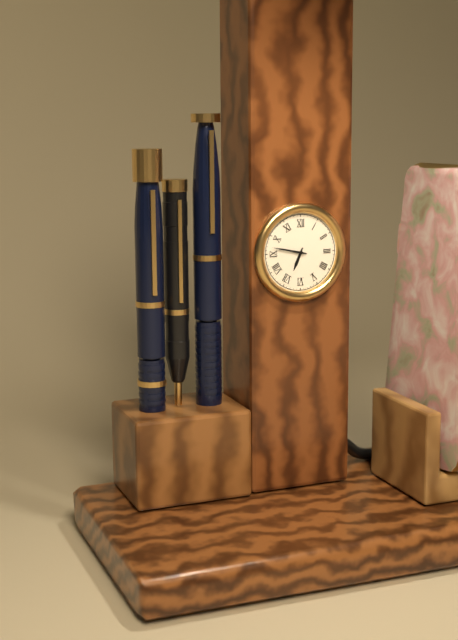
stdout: 6:47
